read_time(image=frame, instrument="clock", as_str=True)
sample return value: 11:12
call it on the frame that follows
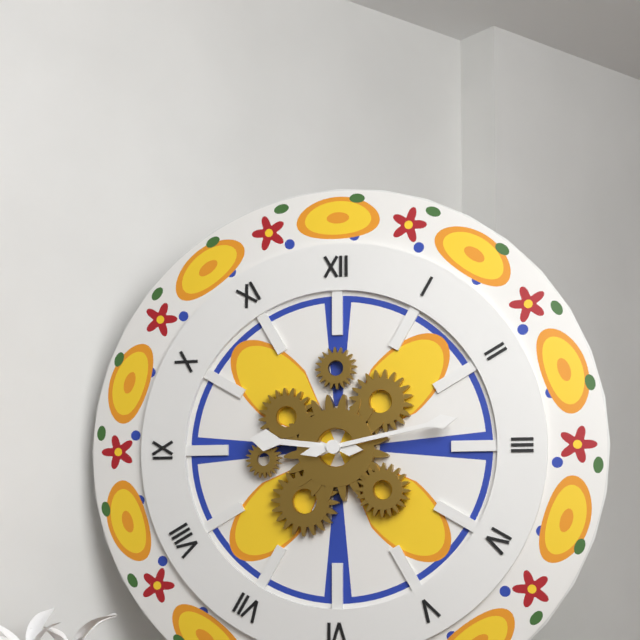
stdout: 9:13
